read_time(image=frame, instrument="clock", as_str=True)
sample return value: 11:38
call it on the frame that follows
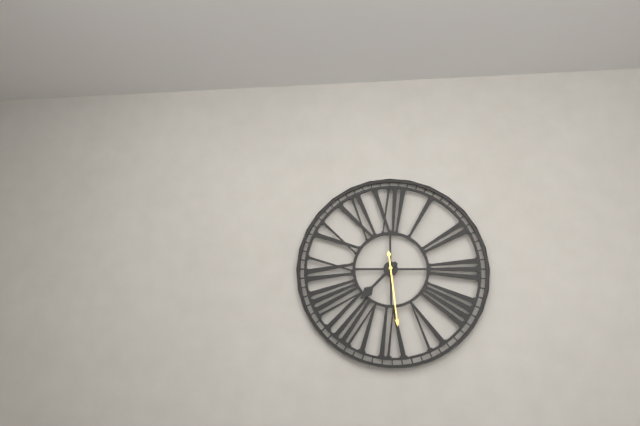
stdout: 7:29
